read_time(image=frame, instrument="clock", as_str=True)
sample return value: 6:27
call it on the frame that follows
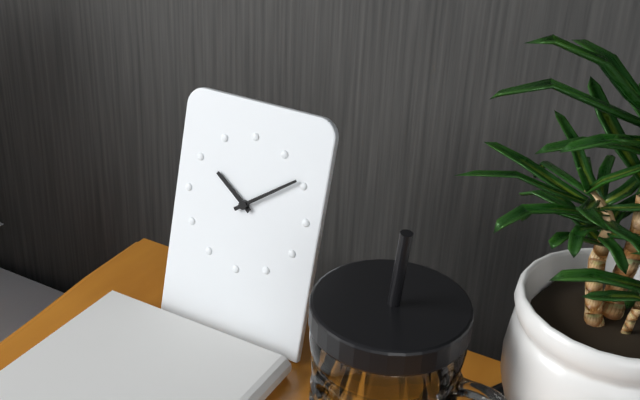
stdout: 10:09
